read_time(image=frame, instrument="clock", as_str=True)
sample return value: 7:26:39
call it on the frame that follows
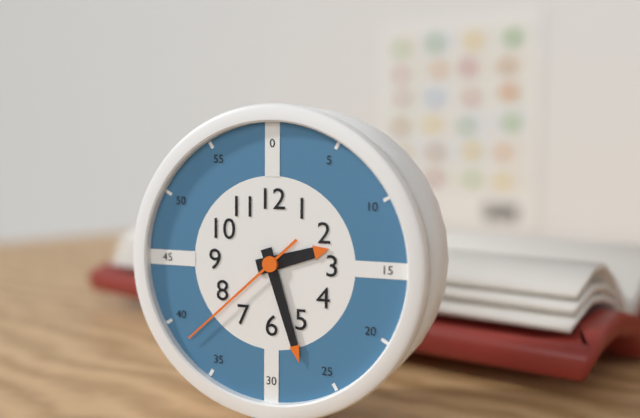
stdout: 2:27:38
